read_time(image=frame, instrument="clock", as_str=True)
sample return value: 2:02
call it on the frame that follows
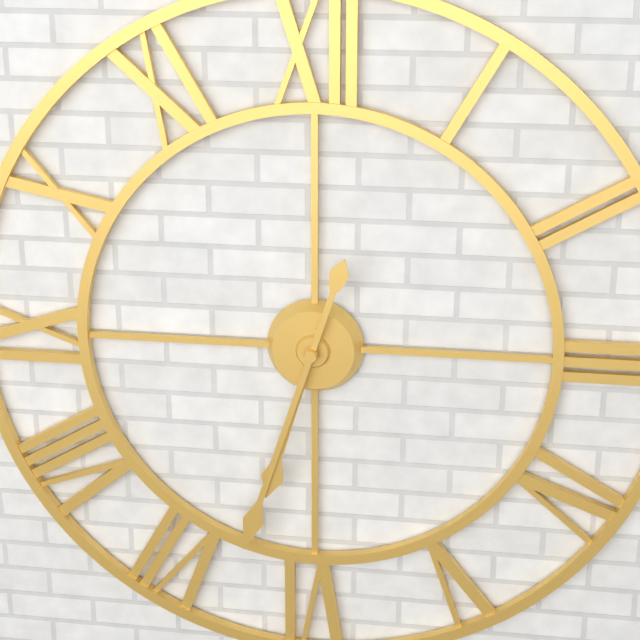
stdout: 6:33
